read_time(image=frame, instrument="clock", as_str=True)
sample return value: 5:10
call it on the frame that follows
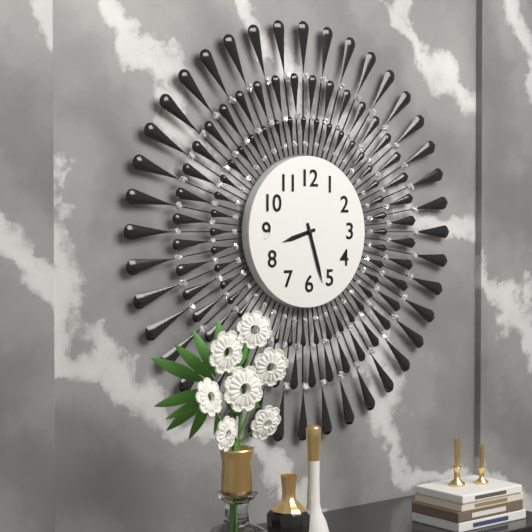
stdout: 8:27
